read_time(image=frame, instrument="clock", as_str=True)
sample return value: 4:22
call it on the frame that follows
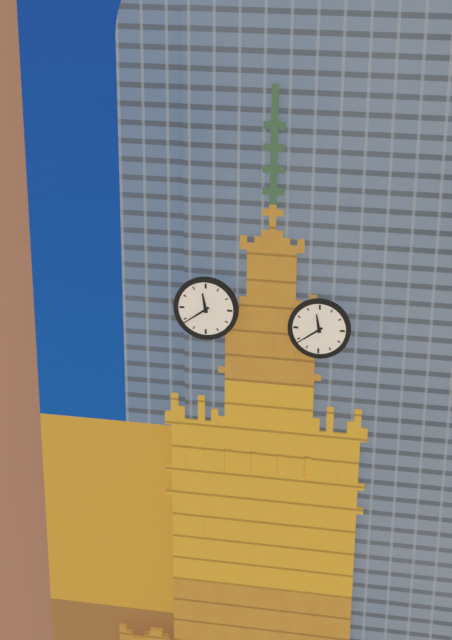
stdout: 11:39
